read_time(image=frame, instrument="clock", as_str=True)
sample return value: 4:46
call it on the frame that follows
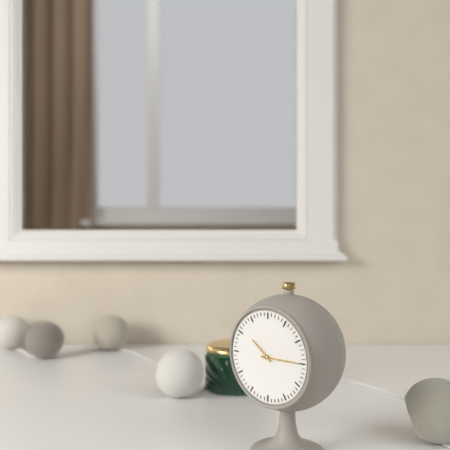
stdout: 10:15
